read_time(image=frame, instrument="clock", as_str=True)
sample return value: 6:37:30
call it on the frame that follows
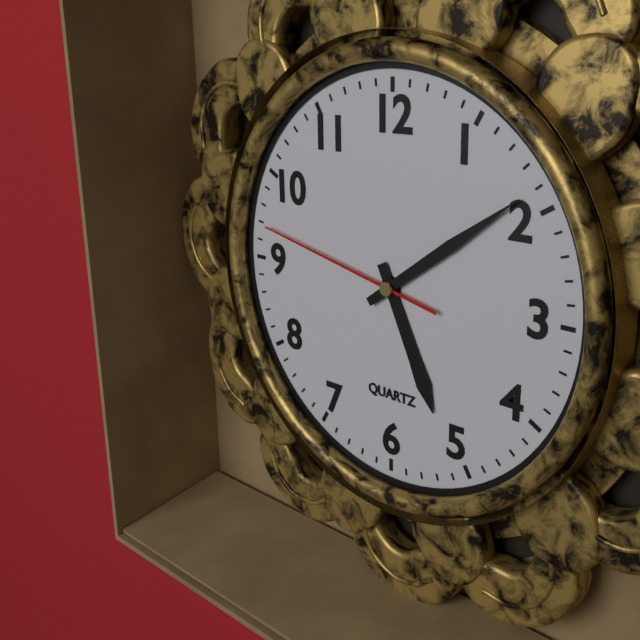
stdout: 5:09:47
